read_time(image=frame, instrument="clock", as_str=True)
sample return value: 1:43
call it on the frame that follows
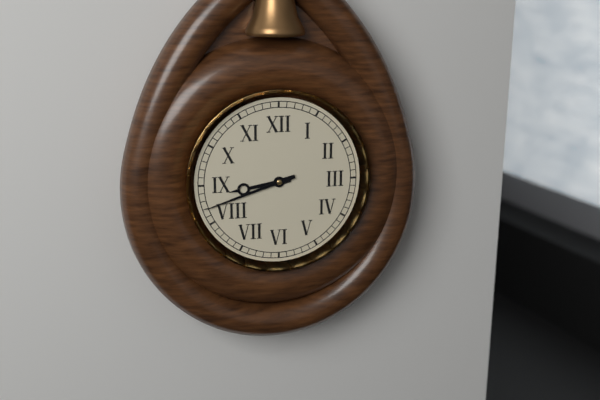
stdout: 8:42
